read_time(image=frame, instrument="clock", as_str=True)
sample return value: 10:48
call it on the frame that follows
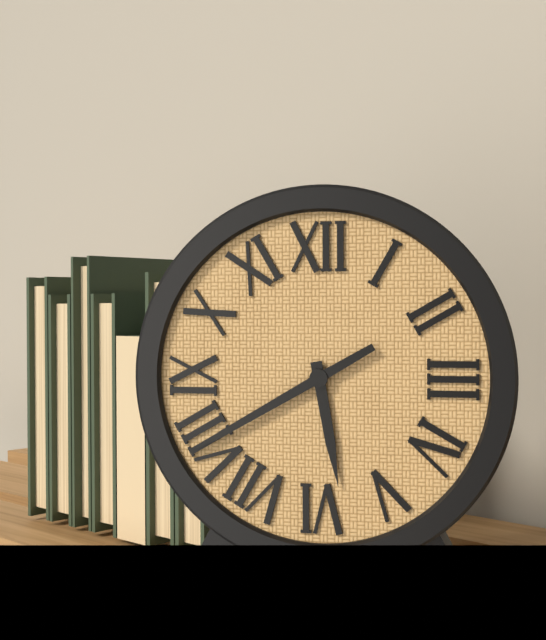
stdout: 5:40
